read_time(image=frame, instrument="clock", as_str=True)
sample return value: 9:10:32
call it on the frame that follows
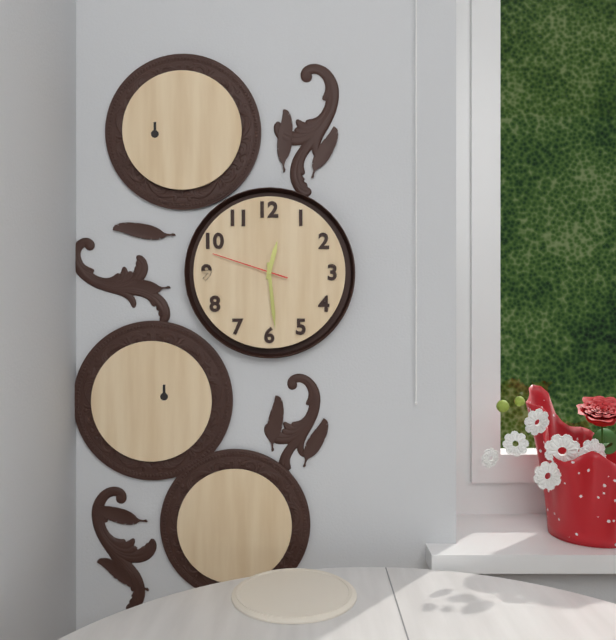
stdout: 12:29:48
